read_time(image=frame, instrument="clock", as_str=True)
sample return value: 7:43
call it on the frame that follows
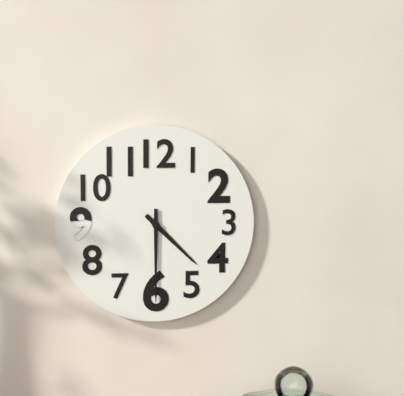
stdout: 4:30
